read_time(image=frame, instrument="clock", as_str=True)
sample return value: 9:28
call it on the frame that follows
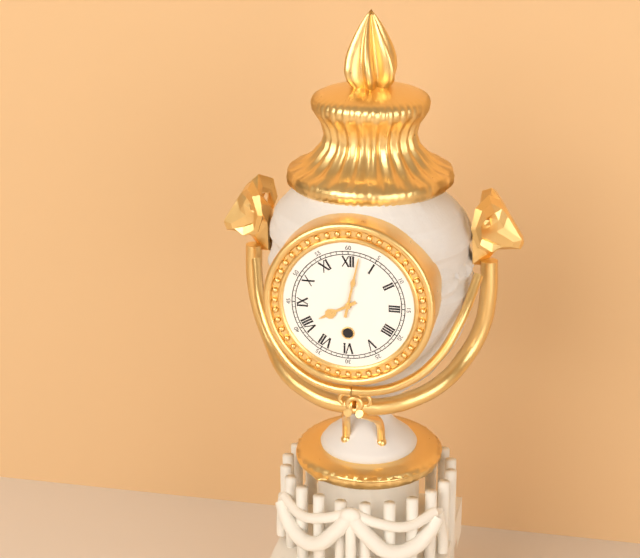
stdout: 8:02
